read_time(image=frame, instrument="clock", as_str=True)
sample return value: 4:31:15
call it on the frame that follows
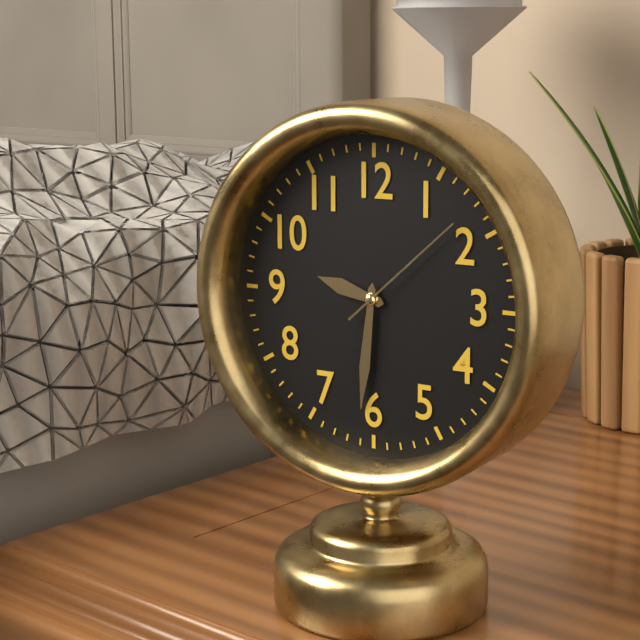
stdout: 9:31:08
